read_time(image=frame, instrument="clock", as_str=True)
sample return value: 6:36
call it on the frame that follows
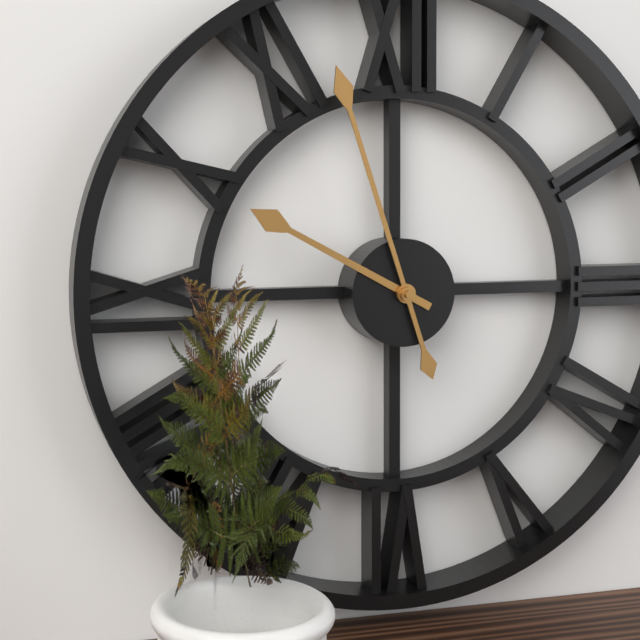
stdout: 9:57
